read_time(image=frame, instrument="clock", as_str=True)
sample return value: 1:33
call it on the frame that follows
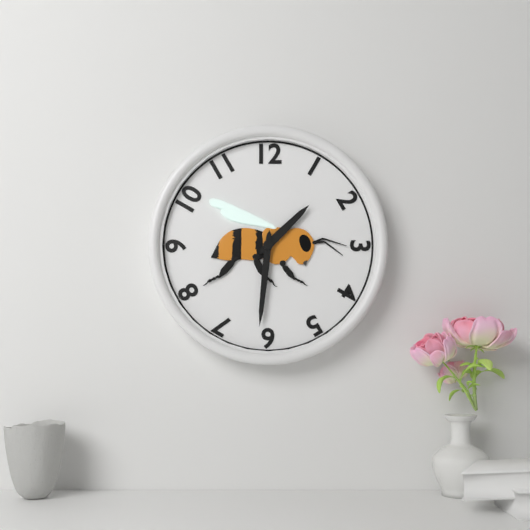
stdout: 1:31
